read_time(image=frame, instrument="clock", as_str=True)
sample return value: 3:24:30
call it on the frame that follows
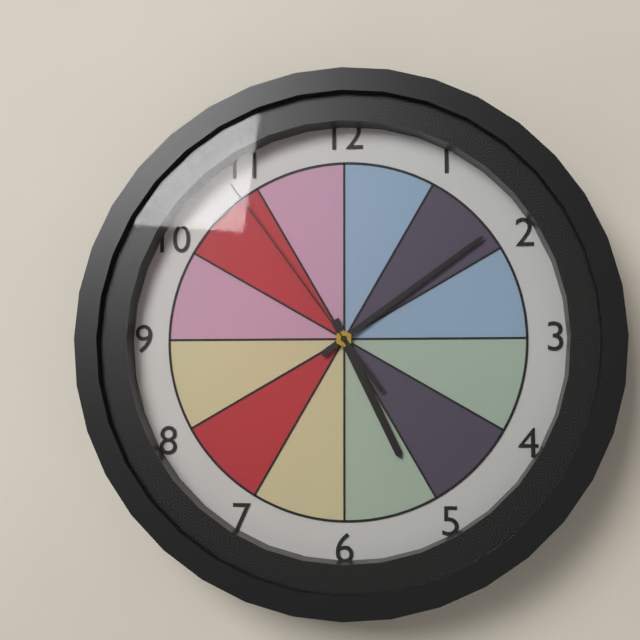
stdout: 5:09:54
